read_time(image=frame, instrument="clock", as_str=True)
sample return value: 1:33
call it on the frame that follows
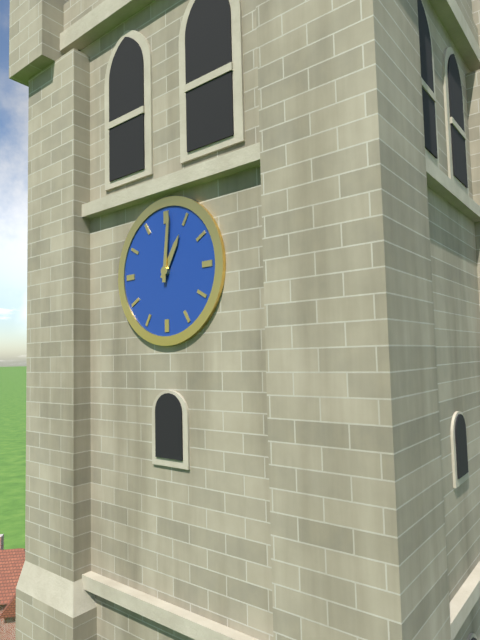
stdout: 1:01
